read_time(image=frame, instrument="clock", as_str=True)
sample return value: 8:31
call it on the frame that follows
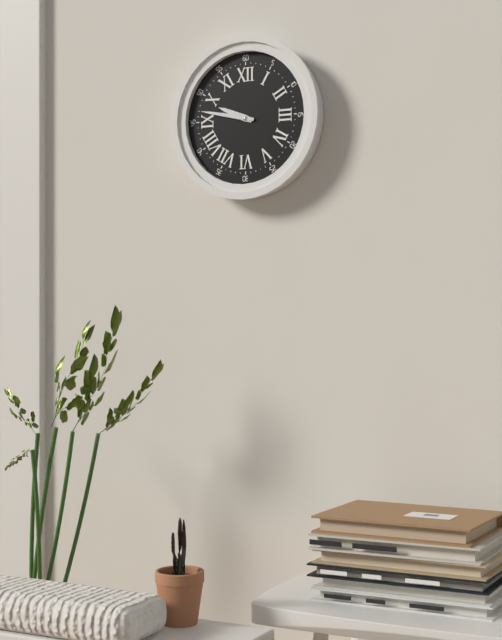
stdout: 9:47
